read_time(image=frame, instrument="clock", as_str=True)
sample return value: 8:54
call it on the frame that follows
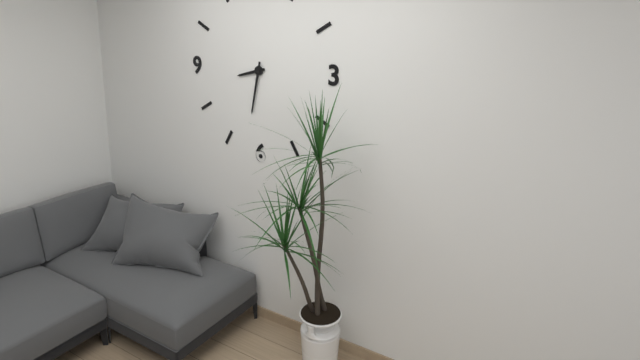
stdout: 8:32
